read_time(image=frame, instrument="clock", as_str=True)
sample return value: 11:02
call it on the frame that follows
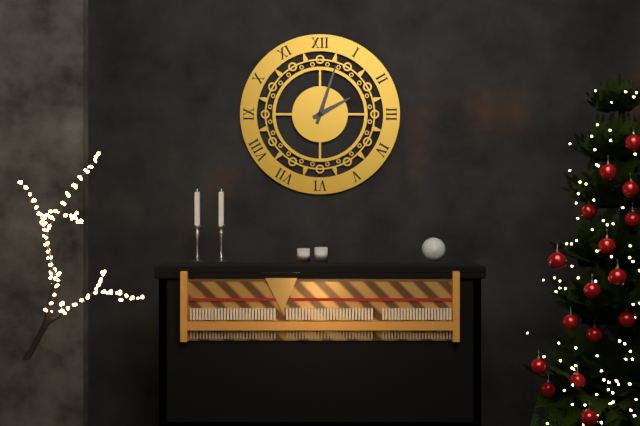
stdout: 2:03
